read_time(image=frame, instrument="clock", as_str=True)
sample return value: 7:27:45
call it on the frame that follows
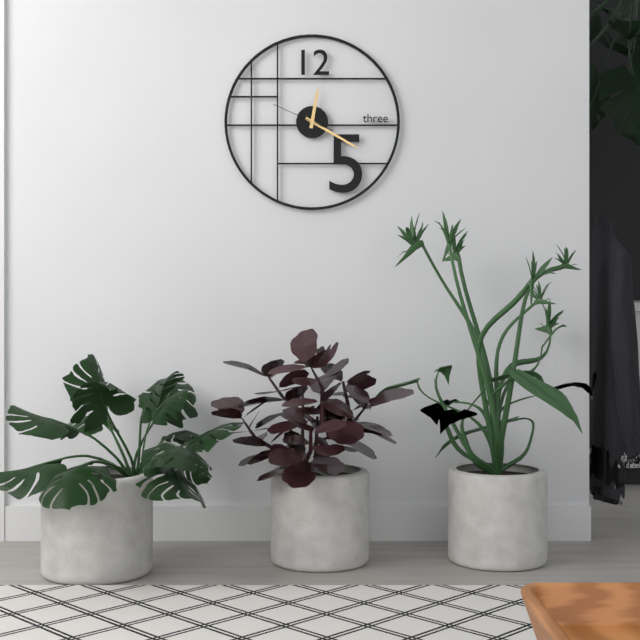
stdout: 12:20:49
